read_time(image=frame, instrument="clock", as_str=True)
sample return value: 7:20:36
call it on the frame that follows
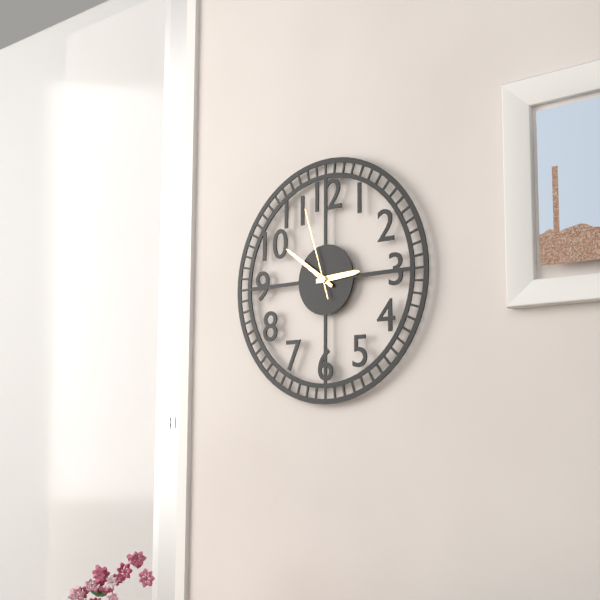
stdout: 2:51:57
